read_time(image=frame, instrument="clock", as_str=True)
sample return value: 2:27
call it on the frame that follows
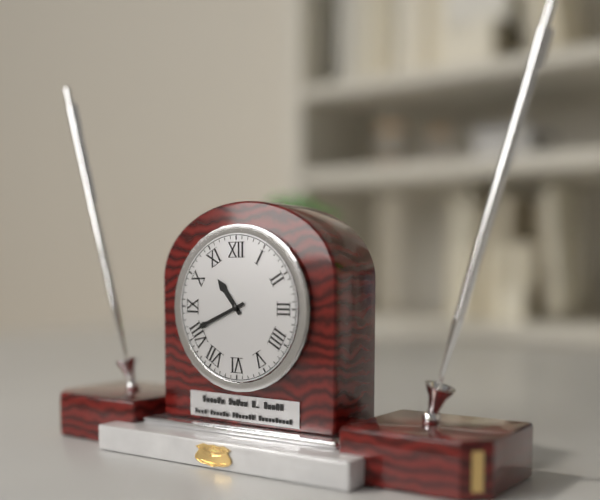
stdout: 10:41
